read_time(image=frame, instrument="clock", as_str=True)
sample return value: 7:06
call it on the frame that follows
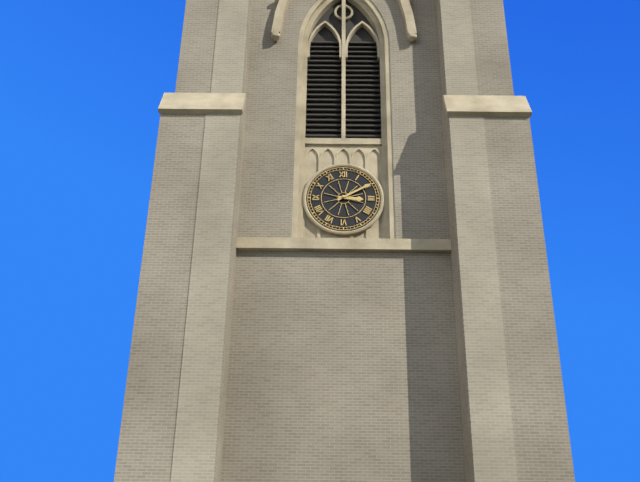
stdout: 3:10
